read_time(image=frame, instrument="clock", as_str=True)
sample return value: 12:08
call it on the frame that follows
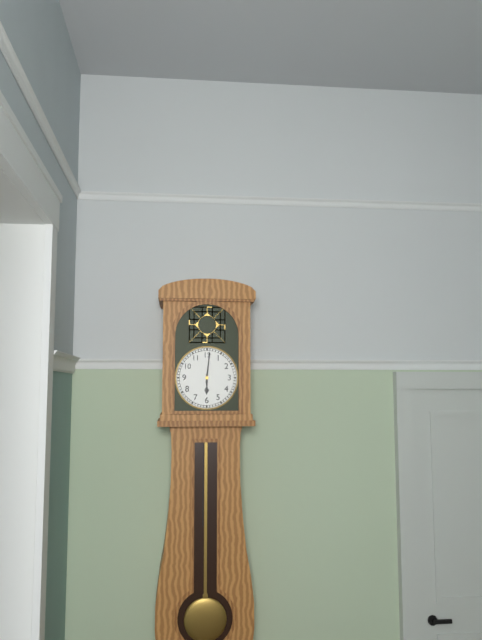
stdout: 6:01
